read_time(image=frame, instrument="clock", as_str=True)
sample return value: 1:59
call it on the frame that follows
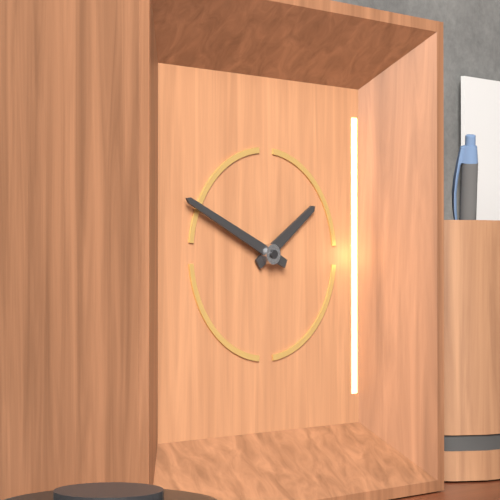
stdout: 1:49
